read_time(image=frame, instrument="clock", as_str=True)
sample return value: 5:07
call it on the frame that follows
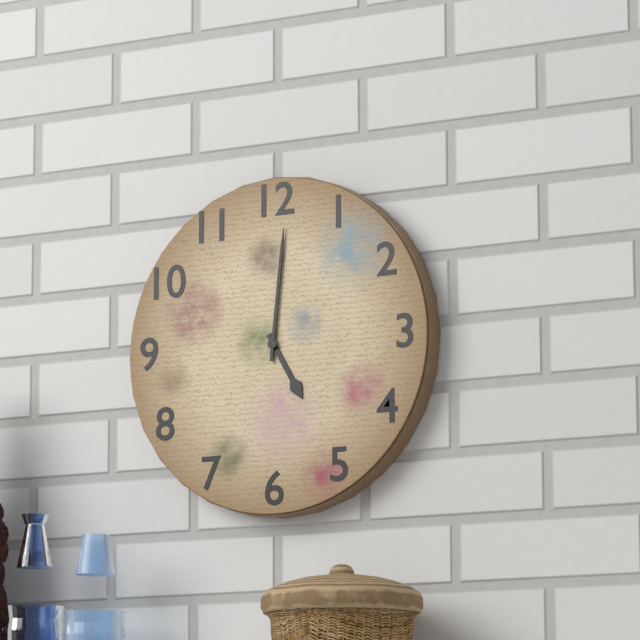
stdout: 5:01
